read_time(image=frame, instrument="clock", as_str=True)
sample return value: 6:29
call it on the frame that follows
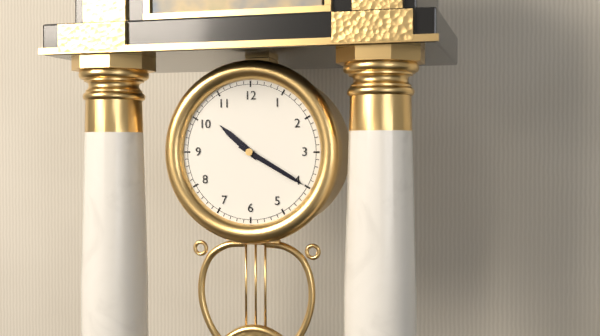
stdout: 10:20
